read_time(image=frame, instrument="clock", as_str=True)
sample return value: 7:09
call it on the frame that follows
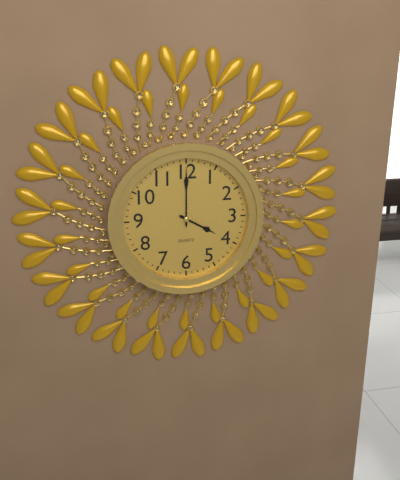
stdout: 4:00
